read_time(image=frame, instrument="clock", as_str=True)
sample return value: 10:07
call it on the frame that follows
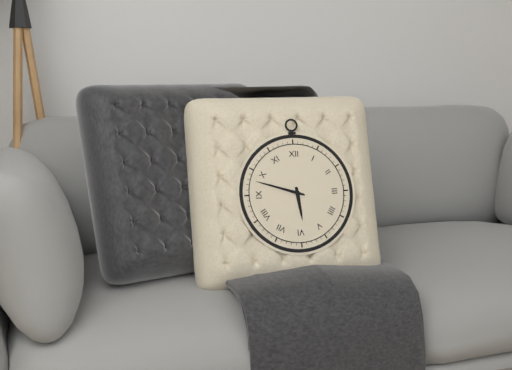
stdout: 5:48
